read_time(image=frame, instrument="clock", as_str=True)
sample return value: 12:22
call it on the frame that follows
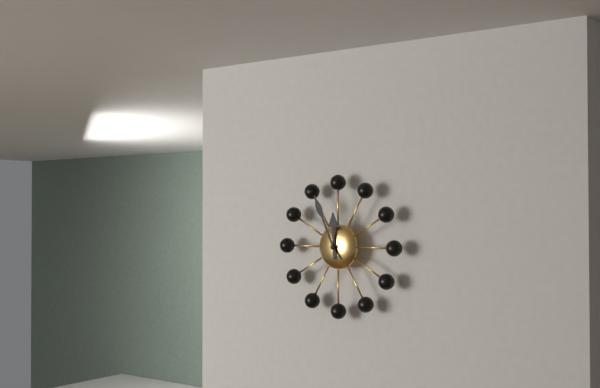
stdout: 11:56
